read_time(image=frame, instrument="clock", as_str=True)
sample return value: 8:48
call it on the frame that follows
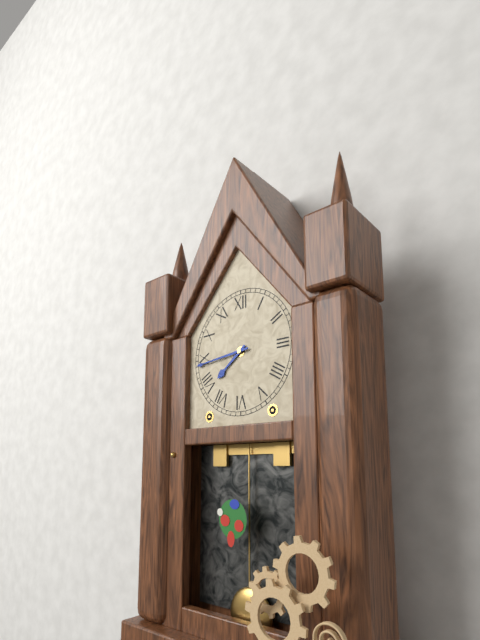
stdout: 7:44
